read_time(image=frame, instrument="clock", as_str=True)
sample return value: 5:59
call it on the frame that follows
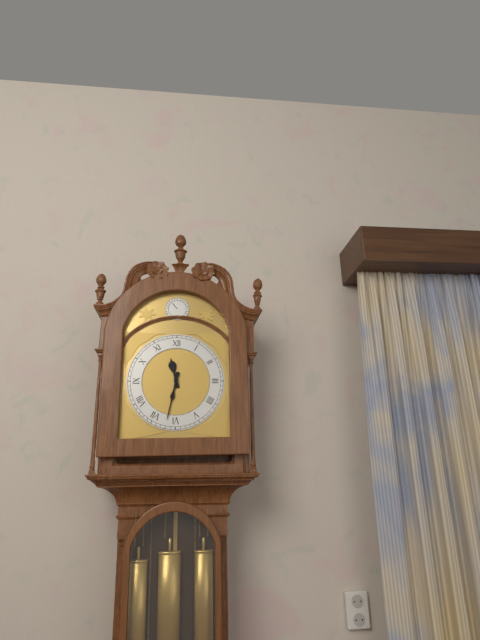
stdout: 11:32
